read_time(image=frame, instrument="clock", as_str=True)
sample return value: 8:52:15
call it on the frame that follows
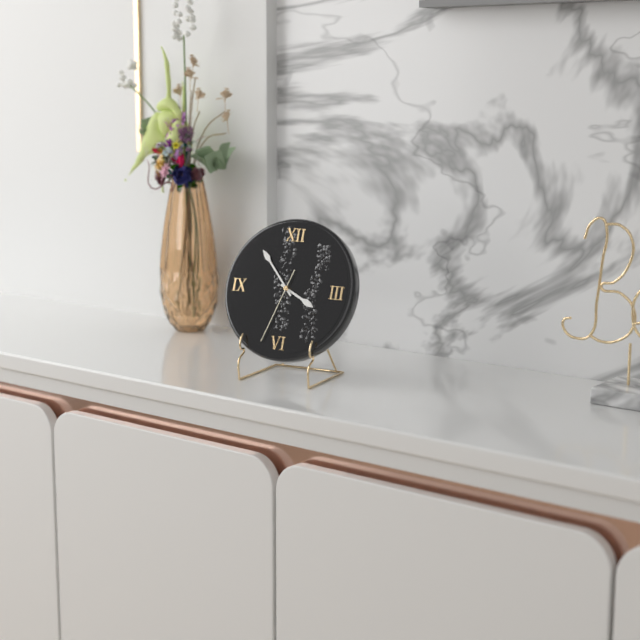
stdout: 3:53:33
